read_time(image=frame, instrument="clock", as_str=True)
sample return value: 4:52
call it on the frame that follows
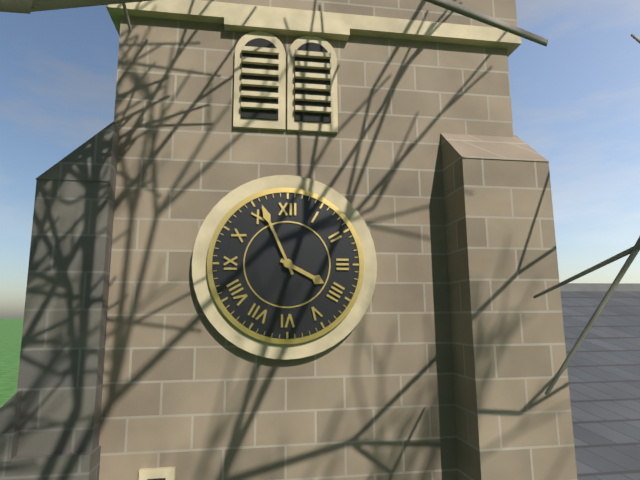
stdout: 3:56
